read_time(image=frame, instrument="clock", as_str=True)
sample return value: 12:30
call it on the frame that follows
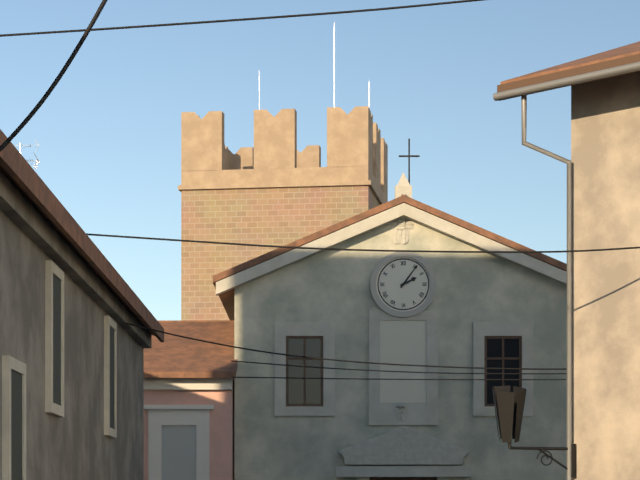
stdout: 2:06
